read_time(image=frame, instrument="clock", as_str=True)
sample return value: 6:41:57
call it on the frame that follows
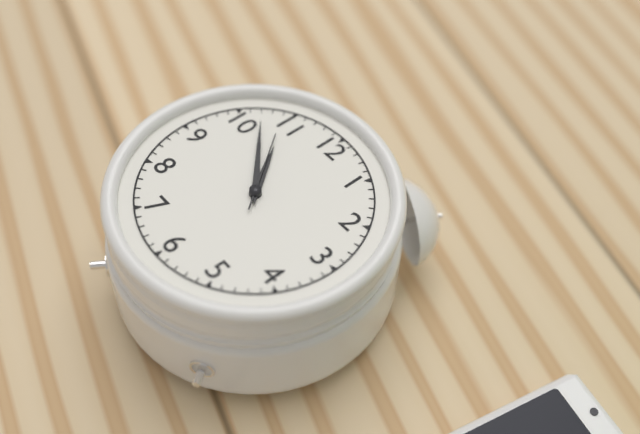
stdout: 10:52:54
